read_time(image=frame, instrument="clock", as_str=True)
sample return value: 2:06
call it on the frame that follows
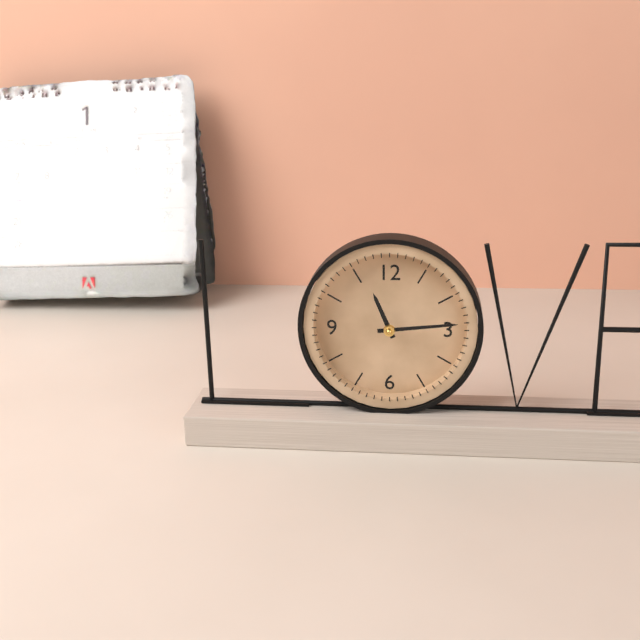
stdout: 11:14
